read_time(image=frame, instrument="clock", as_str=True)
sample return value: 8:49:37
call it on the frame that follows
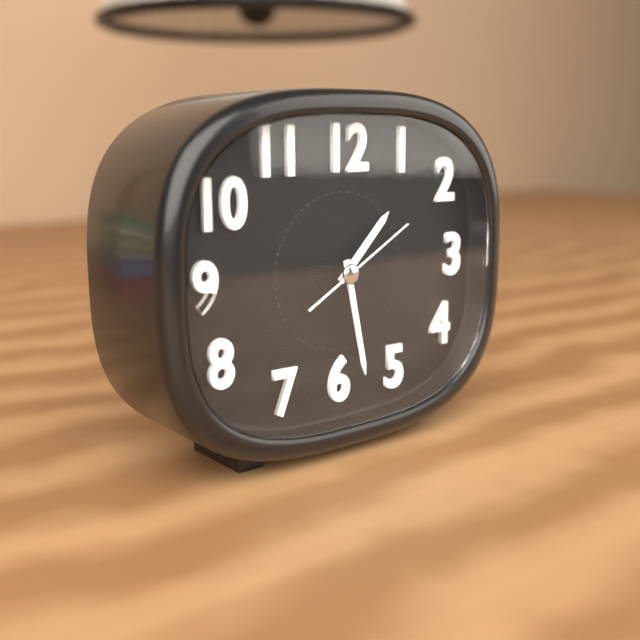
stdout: 1:28:10
